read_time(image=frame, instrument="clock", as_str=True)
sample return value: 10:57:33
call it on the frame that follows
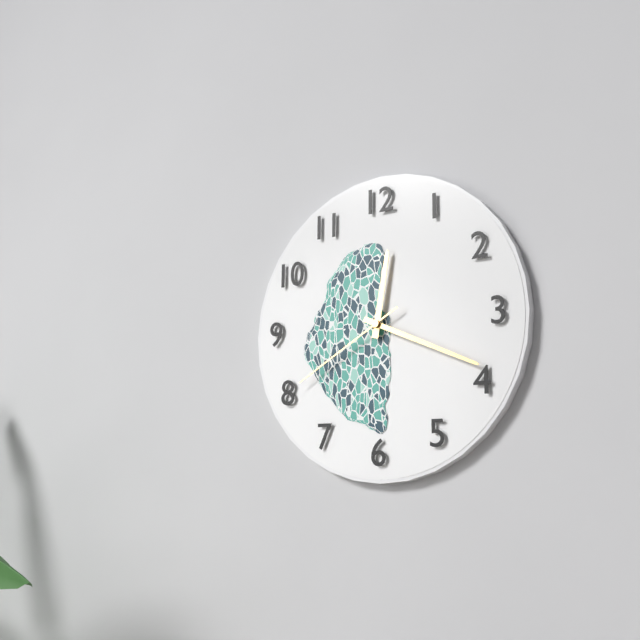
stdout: 12:19:40
